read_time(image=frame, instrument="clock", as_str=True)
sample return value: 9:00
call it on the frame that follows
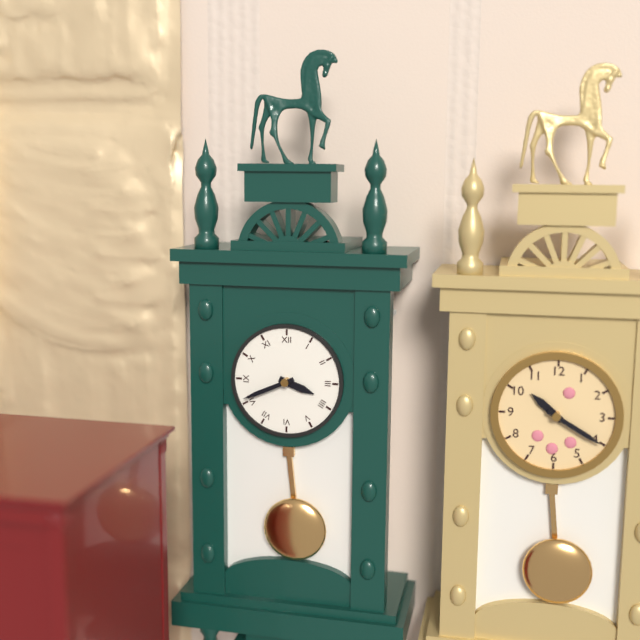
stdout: 3:41
